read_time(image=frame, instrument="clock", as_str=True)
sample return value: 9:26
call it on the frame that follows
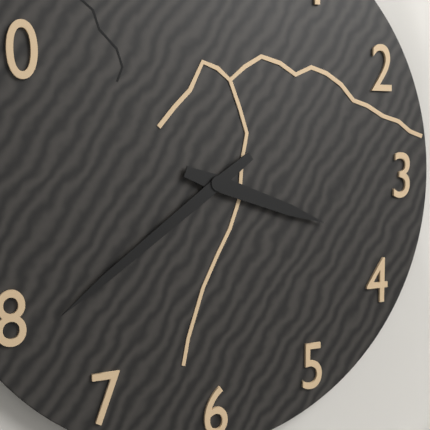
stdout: 3:39
